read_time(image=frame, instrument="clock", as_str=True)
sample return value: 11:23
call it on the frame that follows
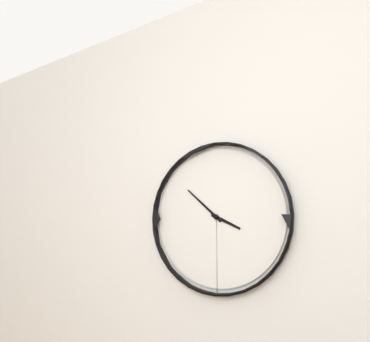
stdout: 3:52
